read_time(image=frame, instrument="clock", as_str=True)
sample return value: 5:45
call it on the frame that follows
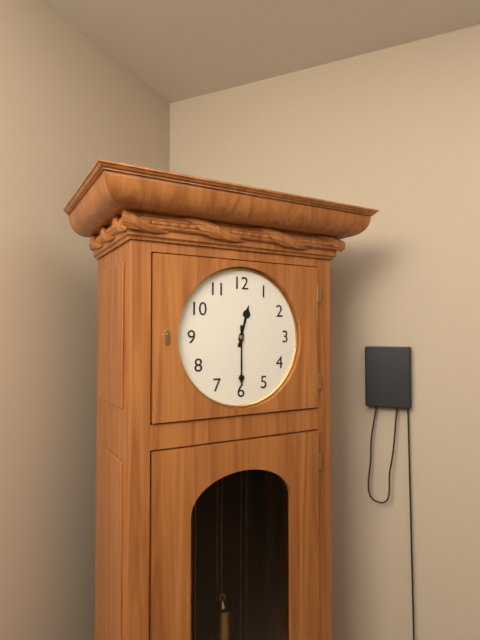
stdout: 12:30
